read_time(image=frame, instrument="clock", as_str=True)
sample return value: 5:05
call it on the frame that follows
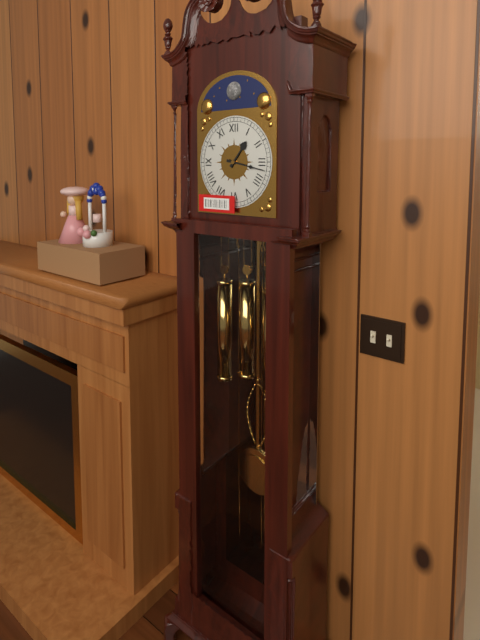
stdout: 1:17
